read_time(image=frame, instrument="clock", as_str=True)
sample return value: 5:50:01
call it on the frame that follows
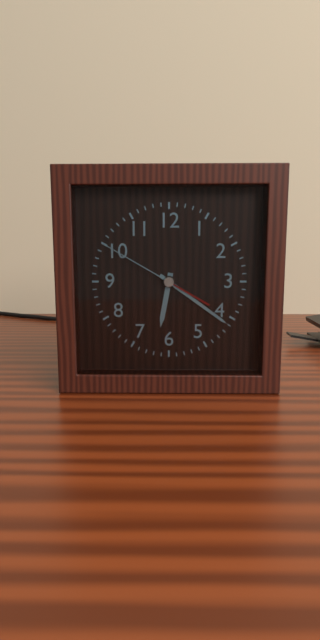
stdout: 6:21:50
